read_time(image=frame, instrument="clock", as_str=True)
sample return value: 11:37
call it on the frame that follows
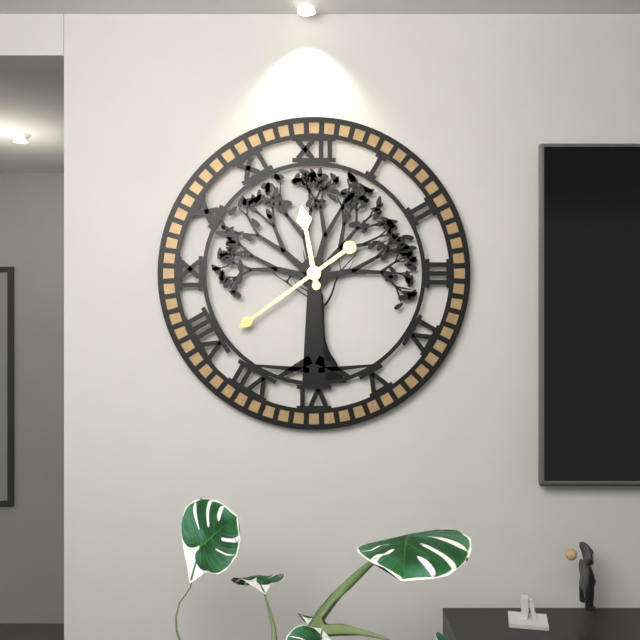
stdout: 11:39
